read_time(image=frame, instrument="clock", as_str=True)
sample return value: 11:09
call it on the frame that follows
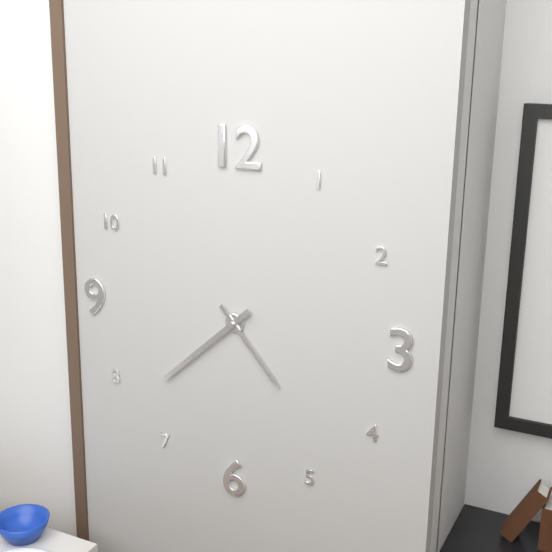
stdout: 4:38
